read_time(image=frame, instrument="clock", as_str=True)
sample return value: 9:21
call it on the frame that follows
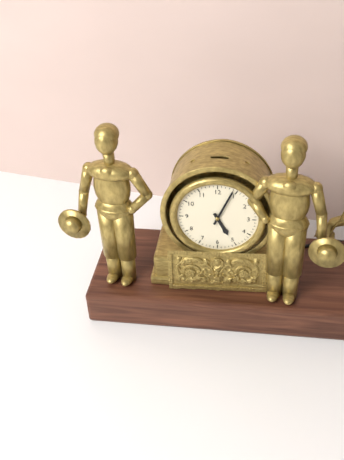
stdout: 5:04
